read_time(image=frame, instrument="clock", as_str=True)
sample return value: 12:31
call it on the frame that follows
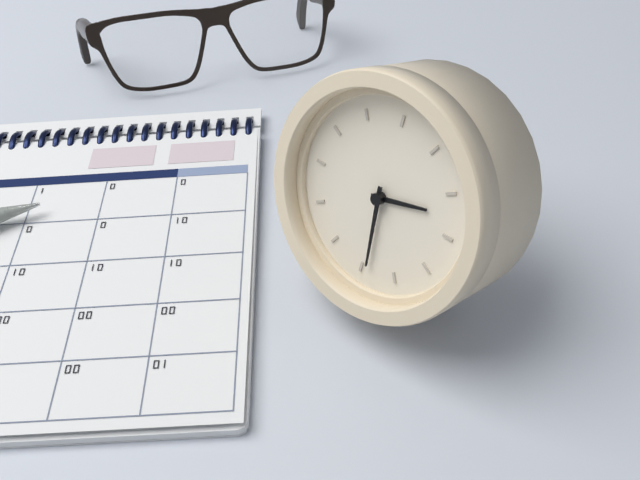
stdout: 2:29
